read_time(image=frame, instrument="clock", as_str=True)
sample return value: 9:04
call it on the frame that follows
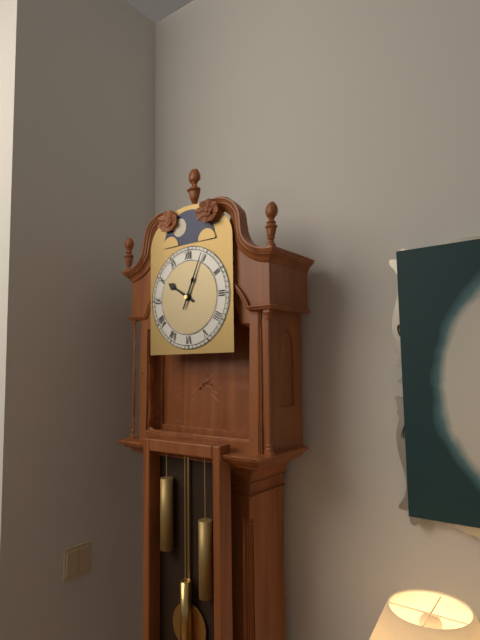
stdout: 10:04
